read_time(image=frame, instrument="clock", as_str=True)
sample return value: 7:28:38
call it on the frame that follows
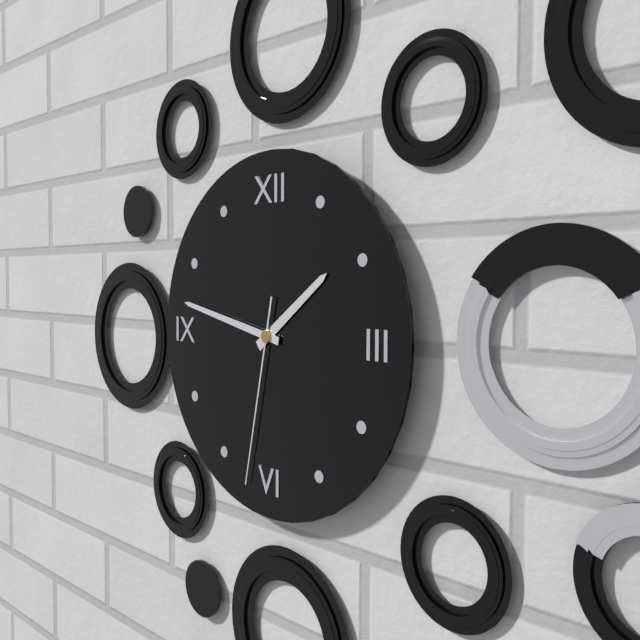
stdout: 1:47:32
